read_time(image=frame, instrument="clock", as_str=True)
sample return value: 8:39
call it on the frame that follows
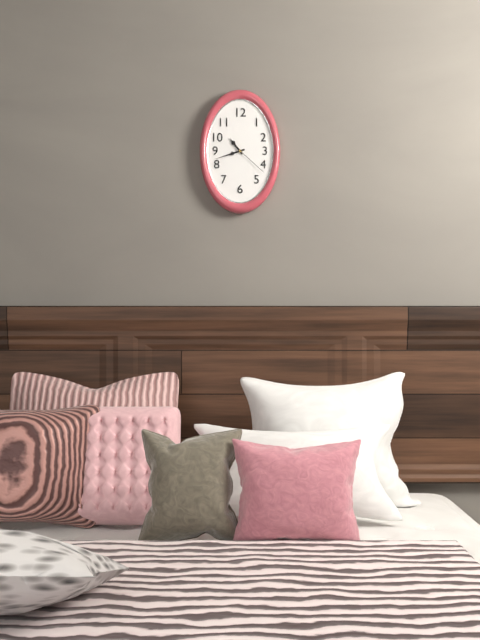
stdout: 10:42
